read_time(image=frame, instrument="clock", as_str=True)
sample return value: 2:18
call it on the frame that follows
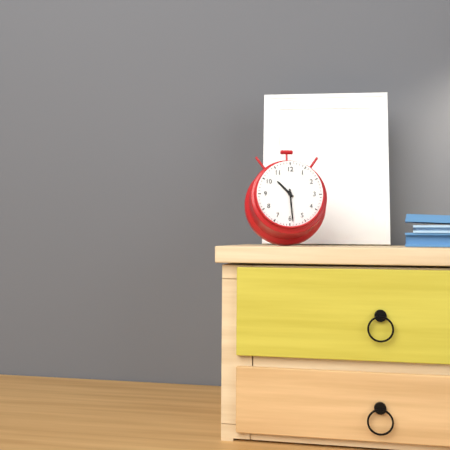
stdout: 10:29
